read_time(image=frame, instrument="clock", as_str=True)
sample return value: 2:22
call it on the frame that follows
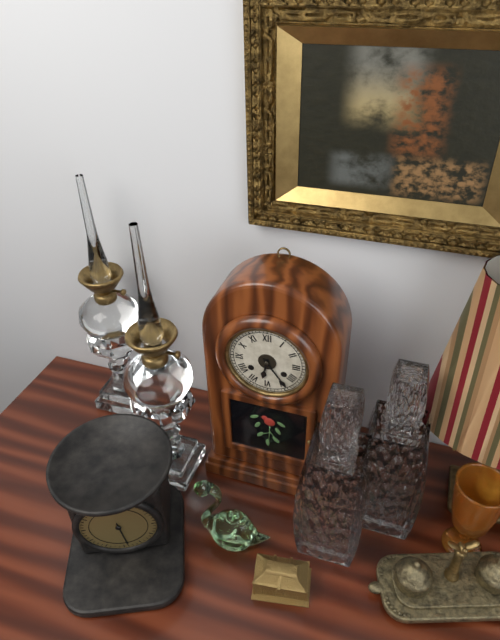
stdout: 6:24
